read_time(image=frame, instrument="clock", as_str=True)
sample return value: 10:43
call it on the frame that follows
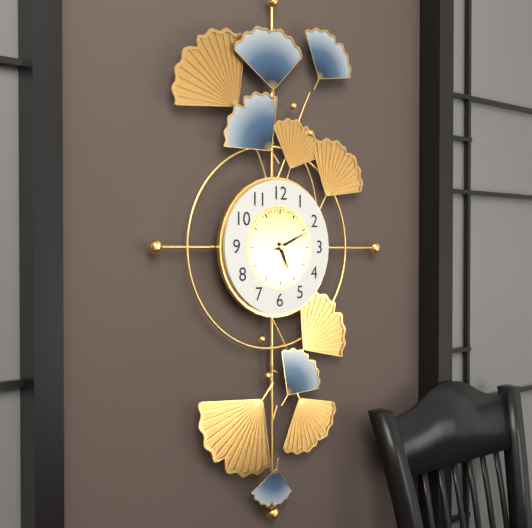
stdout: 5:11
